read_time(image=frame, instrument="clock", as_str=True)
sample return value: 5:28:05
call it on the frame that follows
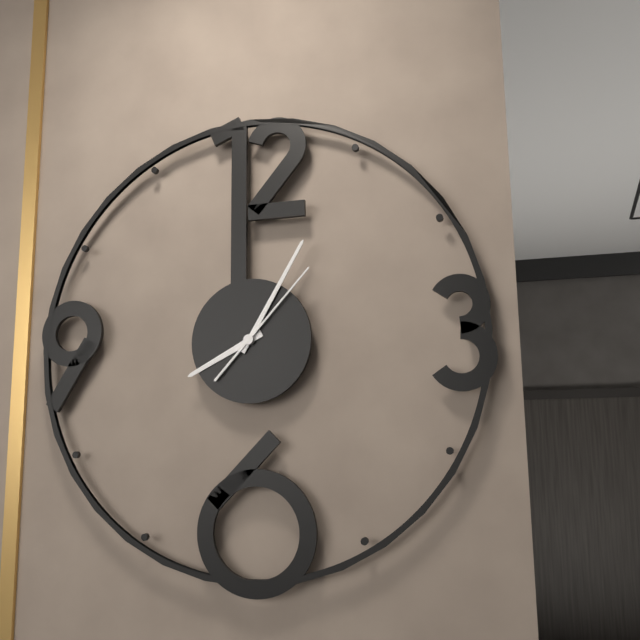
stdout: 8:05:07
